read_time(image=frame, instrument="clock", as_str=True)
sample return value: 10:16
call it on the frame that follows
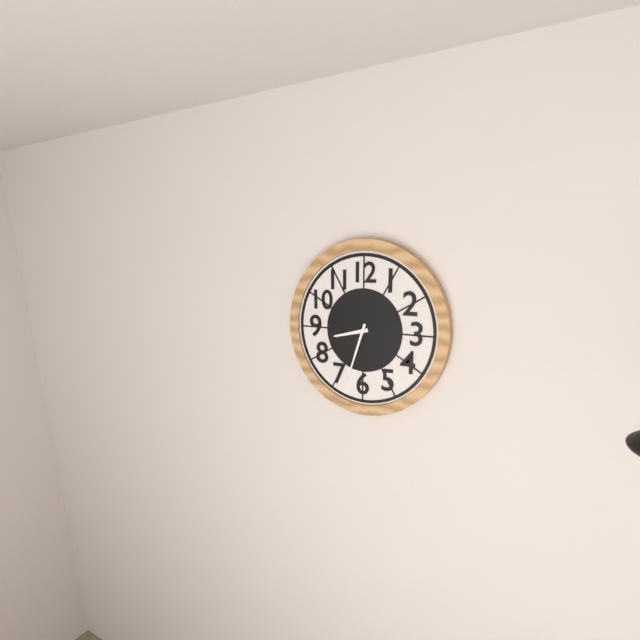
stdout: 8:33
